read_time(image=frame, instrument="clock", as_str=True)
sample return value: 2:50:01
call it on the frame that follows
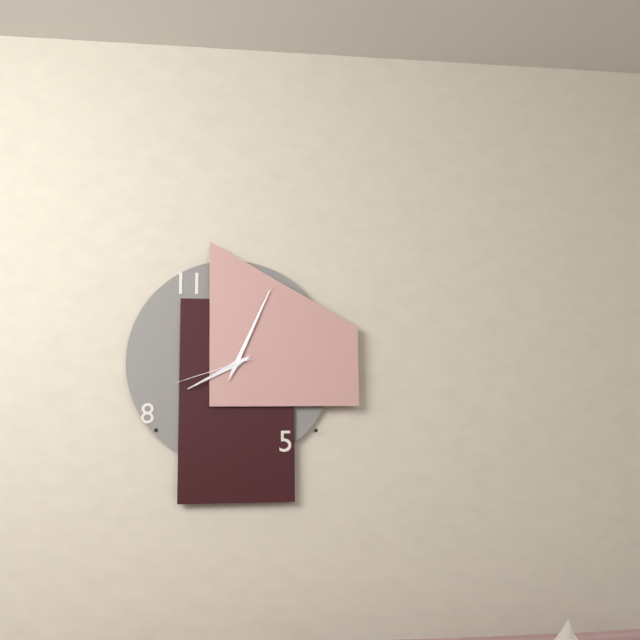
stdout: 8:04:42
